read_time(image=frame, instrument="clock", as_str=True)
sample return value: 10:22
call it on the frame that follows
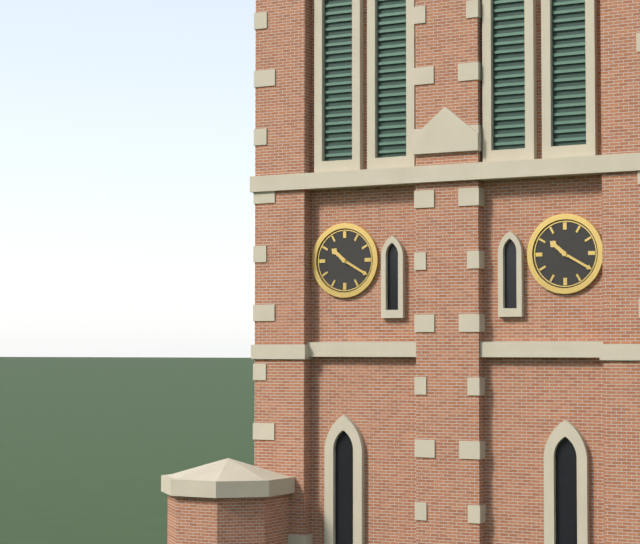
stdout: 10:20
